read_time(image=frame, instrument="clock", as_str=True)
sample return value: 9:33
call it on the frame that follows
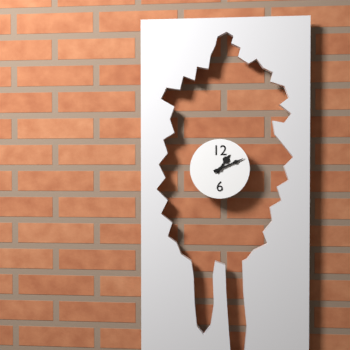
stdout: 1:11
